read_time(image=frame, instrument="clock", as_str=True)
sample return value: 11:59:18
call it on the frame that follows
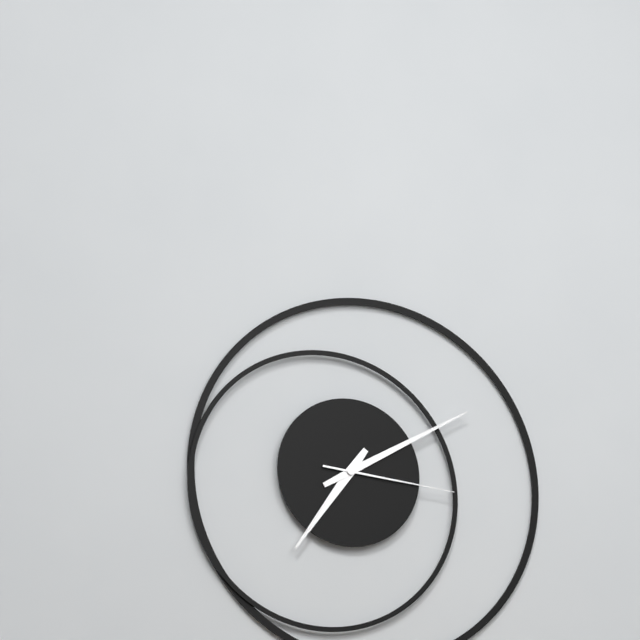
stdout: 7:10:16
